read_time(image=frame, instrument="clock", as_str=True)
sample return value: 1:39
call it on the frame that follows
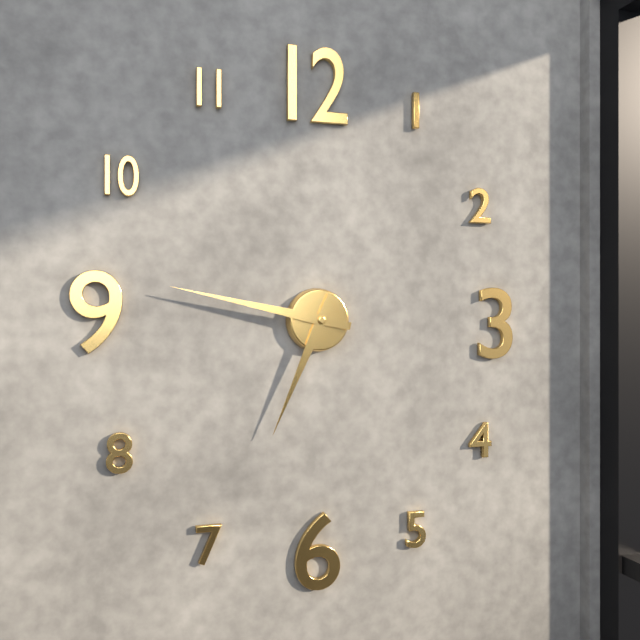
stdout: 6:47
